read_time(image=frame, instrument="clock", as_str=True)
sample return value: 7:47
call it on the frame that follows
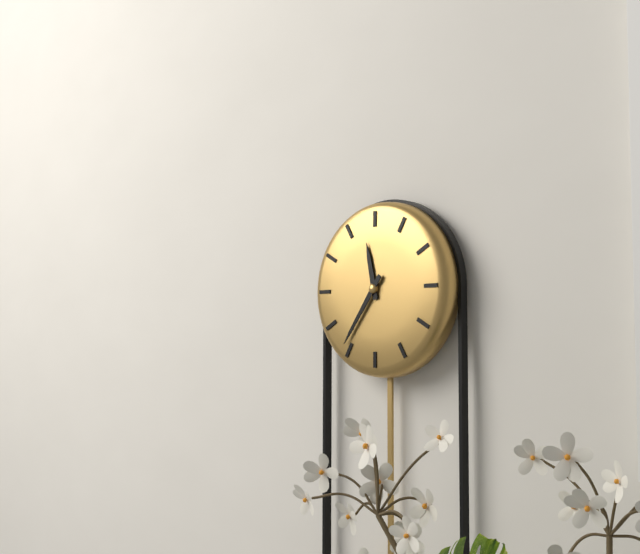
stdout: 11:36
